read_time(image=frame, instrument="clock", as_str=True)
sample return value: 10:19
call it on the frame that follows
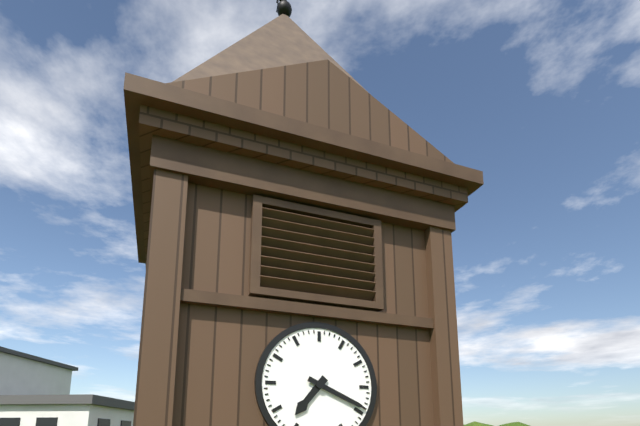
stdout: 7:19
